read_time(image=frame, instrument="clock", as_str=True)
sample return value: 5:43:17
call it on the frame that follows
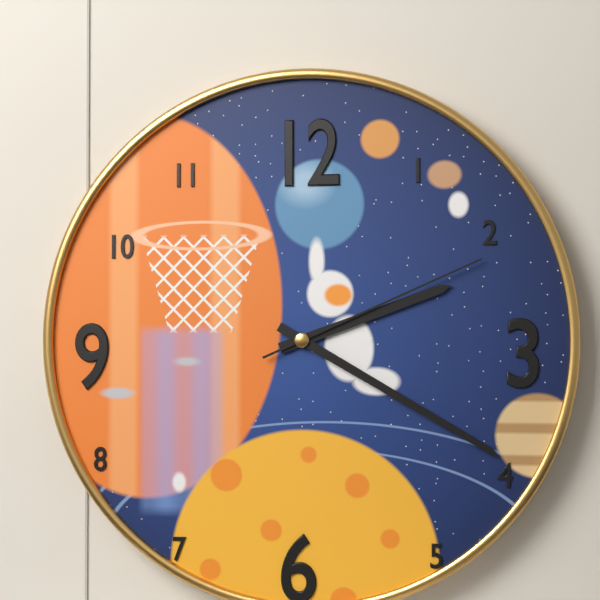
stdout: 2:20:11
